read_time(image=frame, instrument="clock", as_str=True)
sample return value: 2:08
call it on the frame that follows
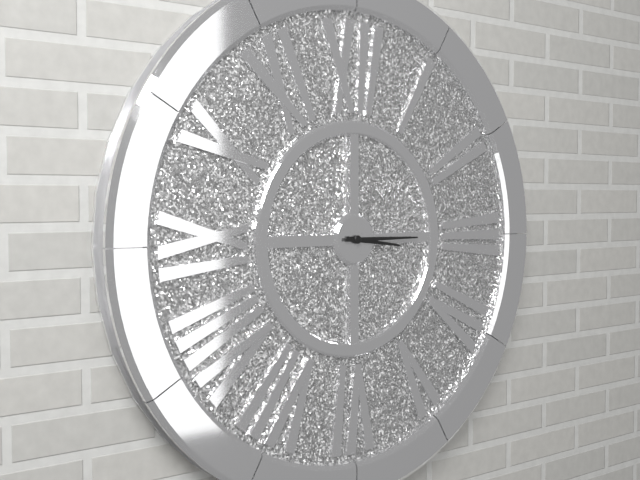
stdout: 3:15
